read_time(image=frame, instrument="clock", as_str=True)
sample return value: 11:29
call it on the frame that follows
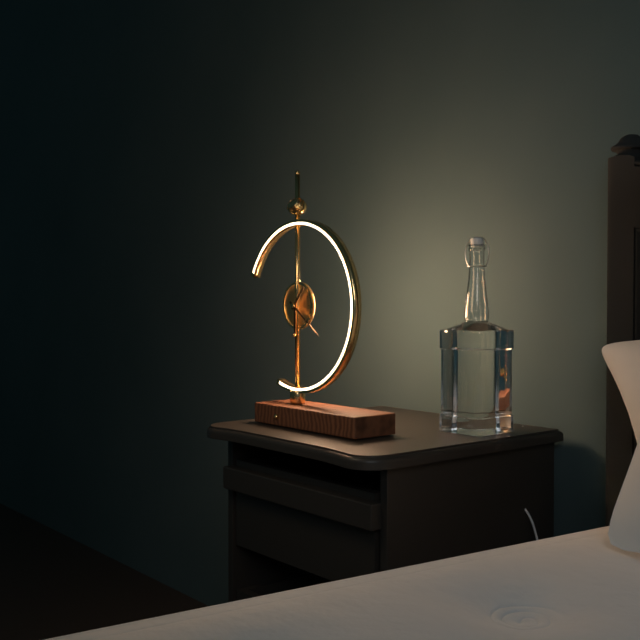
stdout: 1:21
